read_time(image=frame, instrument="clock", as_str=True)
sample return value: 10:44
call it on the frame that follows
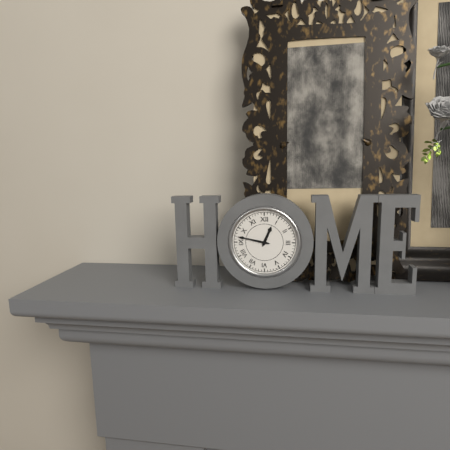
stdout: 12:47
